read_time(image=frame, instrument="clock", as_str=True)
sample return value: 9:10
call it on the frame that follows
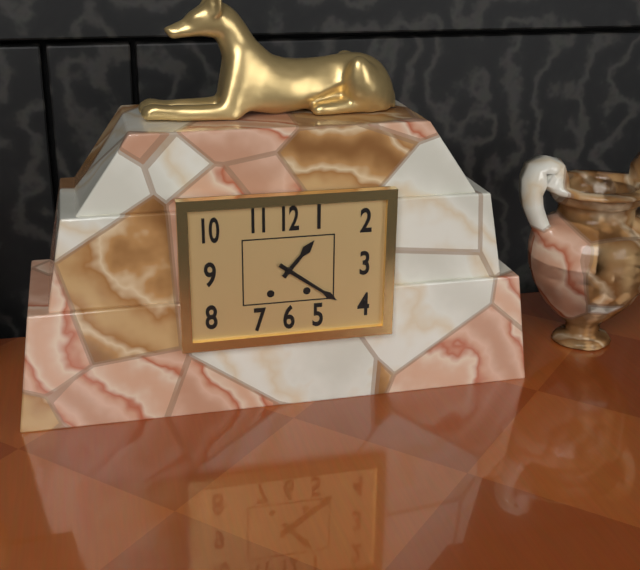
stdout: 1:21
